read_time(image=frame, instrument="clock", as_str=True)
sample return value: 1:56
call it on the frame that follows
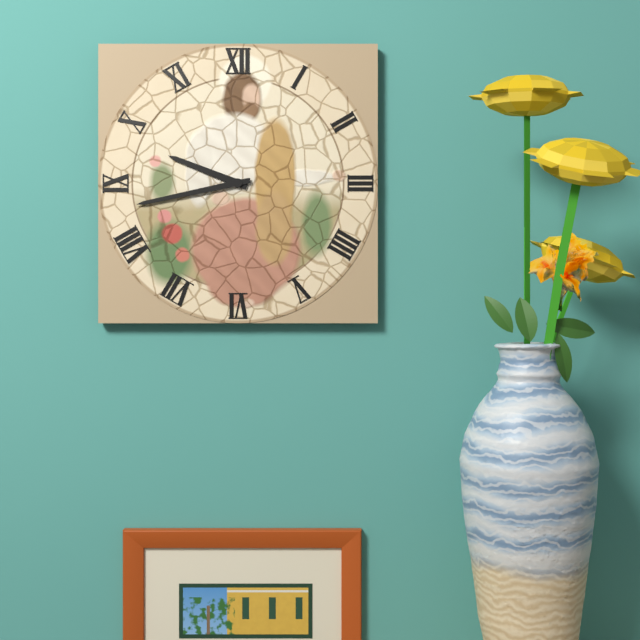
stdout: 9:43
